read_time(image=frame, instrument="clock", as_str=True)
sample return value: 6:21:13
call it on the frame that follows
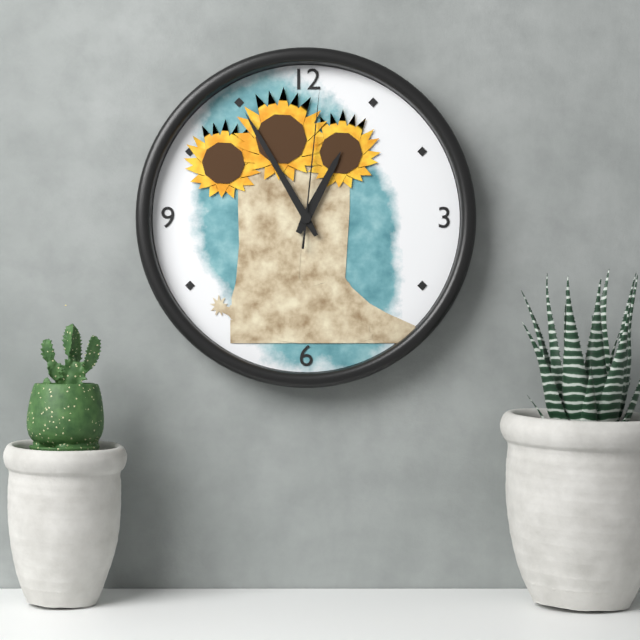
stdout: 12:55:01
